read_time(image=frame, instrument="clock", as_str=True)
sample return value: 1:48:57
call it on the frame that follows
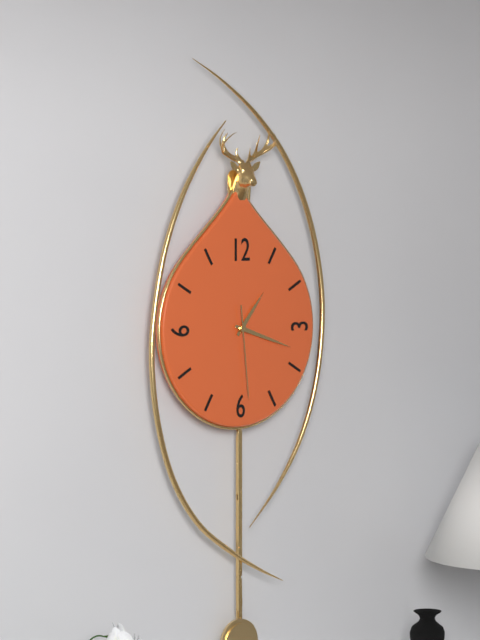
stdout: 1:18:29
